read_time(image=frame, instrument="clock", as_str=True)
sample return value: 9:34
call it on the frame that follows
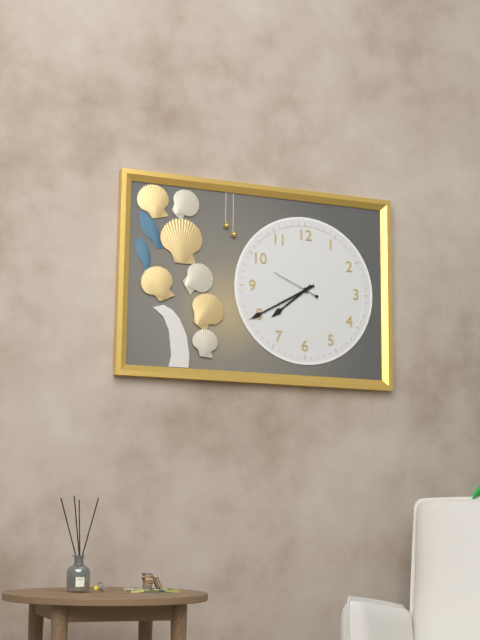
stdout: 7:40
